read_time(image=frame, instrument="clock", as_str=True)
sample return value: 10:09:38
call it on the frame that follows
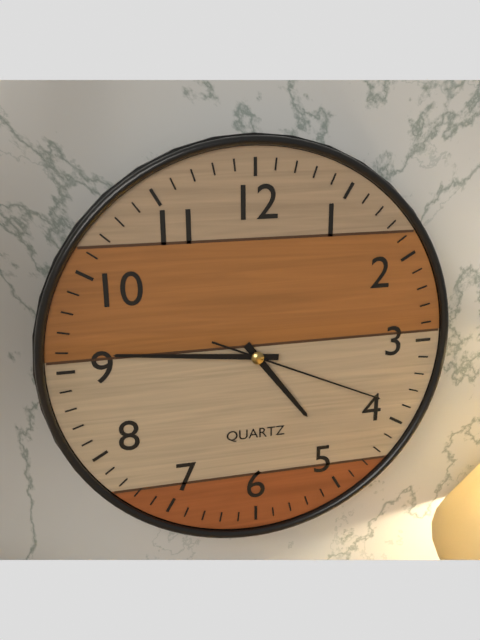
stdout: 4:46:19
